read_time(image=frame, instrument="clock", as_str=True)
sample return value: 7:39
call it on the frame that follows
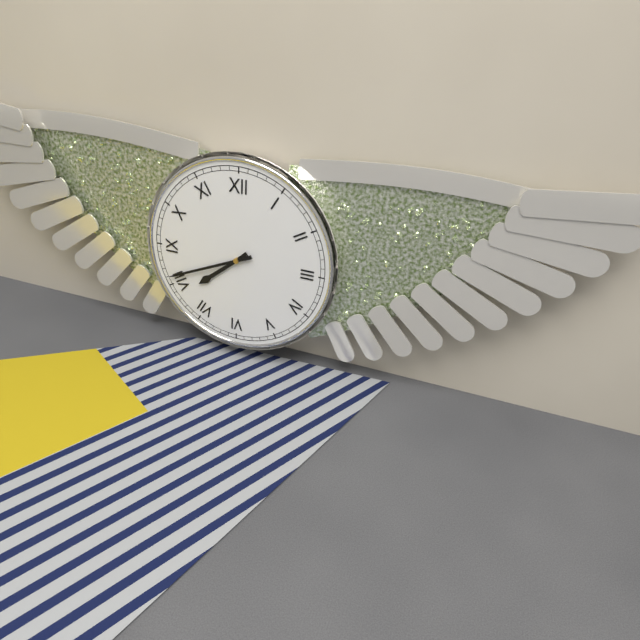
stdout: 7:41
